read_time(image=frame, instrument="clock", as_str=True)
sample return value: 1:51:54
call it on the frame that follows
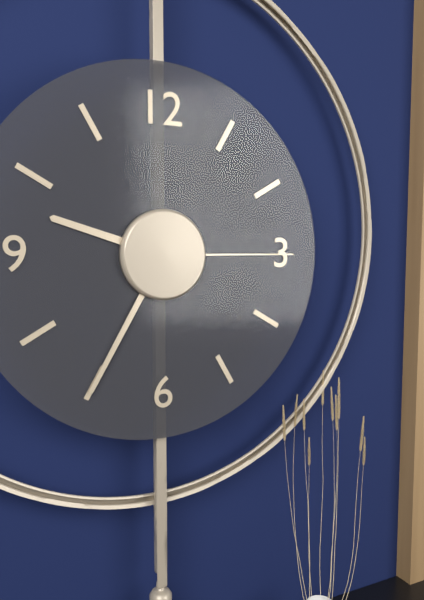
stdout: 9:35:15
